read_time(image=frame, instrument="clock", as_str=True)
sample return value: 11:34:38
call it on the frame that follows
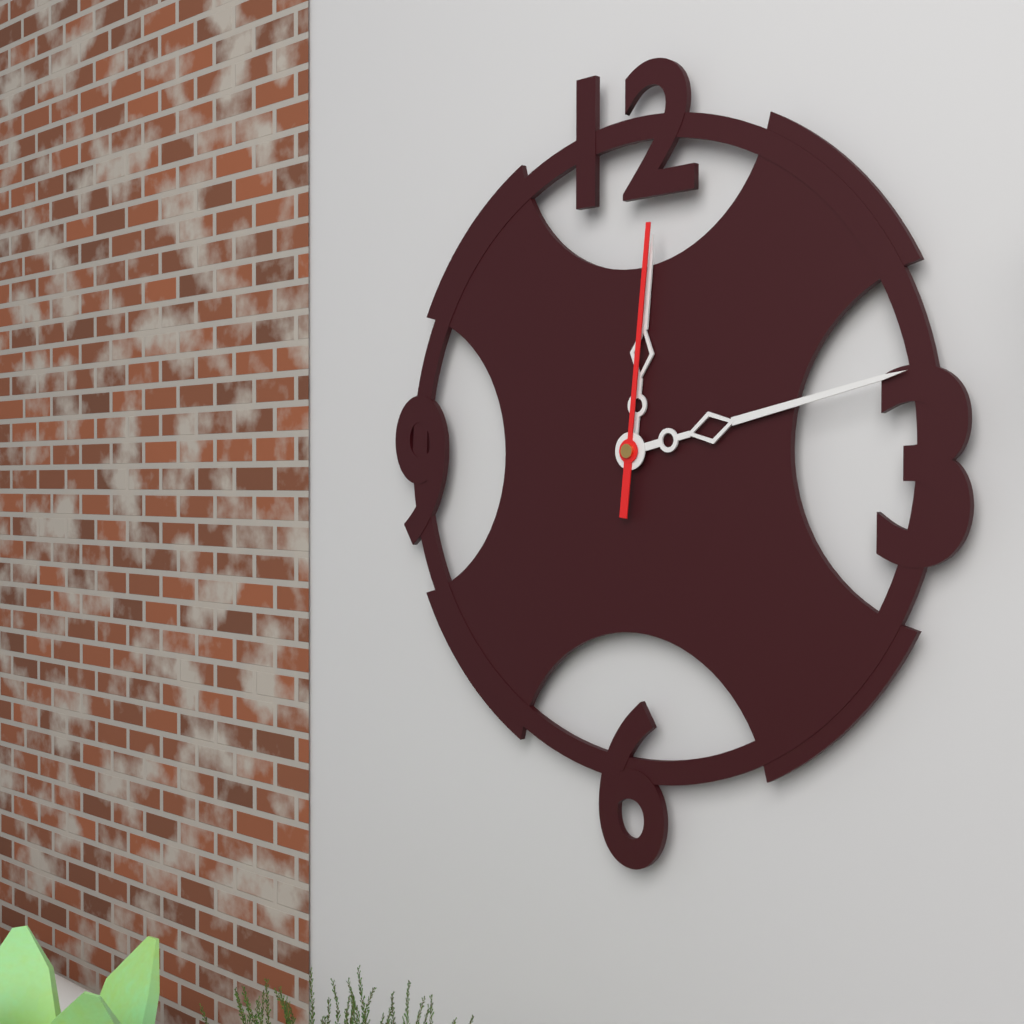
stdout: 12:13:01
